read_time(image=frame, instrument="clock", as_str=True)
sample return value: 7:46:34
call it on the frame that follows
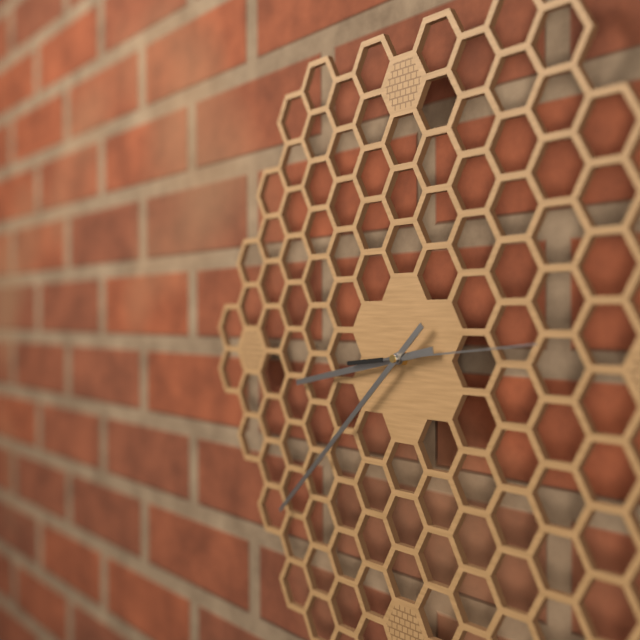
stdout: 8:38:14
